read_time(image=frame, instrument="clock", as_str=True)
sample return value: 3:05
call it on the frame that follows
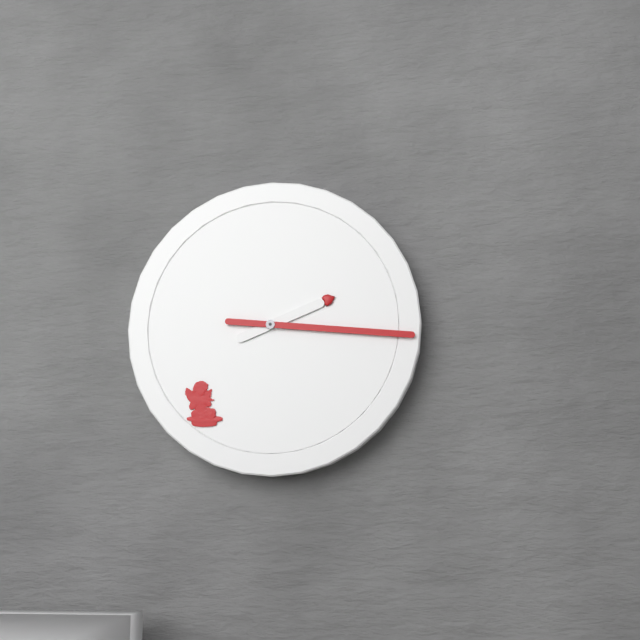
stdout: 2:16
